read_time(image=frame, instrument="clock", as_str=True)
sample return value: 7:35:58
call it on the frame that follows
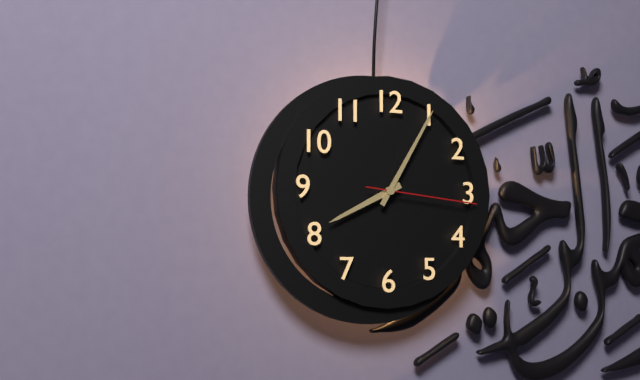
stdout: 8:05:16
